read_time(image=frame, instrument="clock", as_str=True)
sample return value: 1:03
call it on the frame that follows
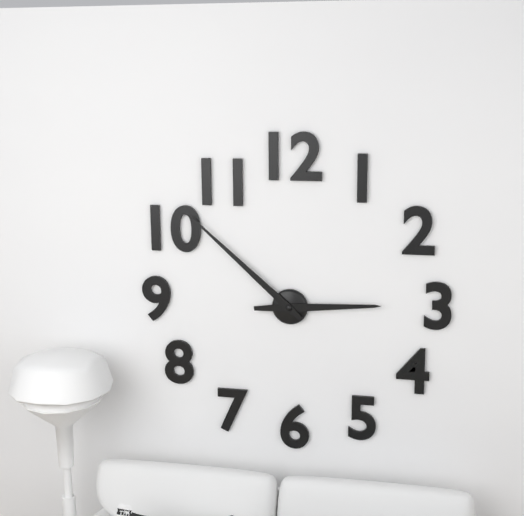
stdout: 2:52
